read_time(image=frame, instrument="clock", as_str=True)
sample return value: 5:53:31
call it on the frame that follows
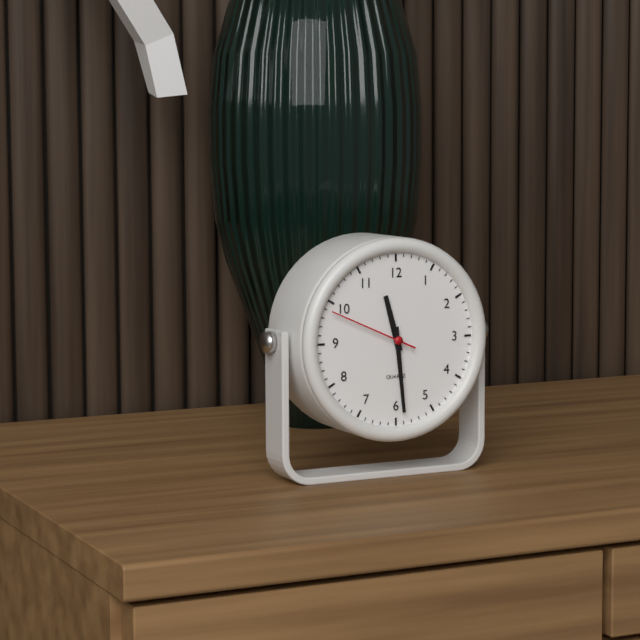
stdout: 11:29:49
